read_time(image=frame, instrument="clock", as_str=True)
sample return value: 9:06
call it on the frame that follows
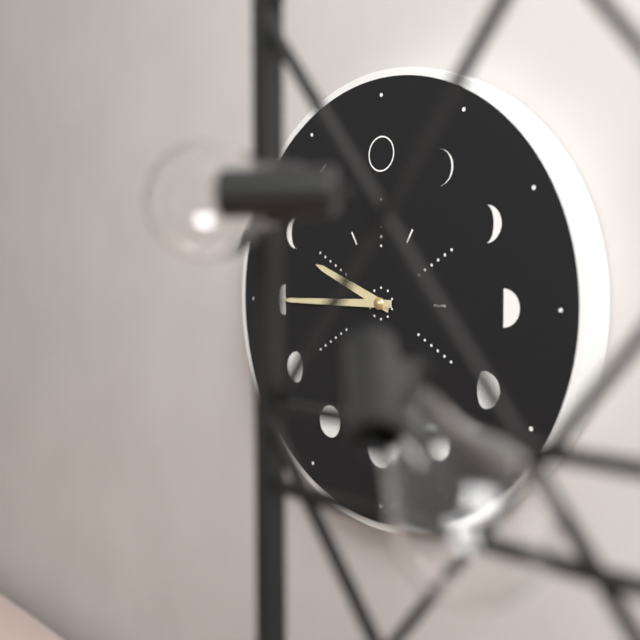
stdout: 9:45
